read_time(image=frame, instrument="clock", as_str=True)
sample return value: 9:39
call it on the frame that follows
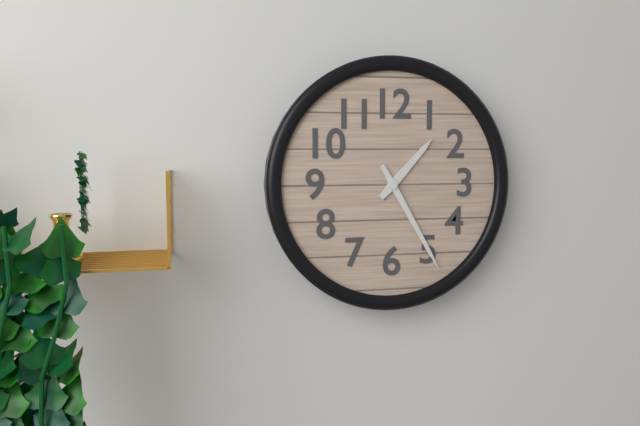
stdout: 1:25
